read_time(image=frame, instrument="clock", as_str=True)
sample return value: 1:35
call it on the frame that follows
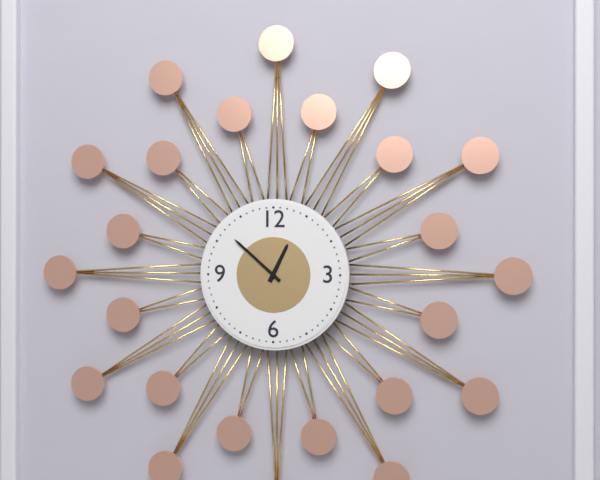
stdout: 12:52
